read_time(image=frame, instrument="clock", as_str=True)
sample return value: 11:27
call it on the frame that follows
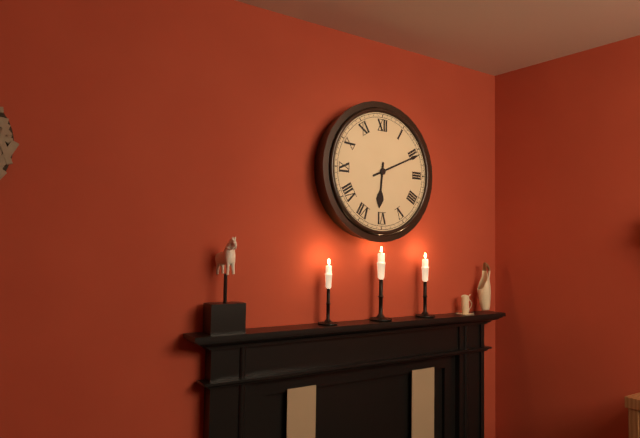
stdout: 6:11
